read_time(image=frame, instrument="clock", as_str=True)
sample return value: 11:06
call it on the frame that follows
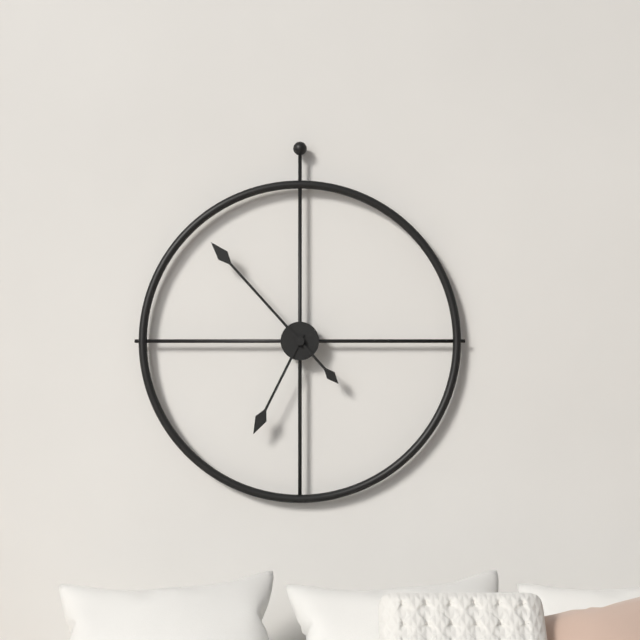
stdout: 6:53
